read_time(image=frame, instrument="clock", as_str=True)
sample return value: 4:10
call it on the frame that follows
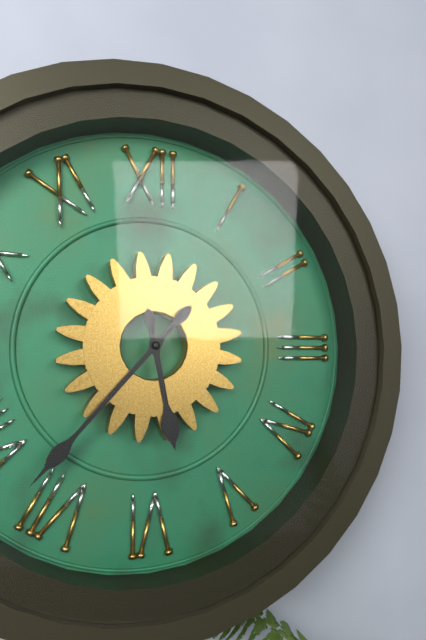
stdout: 5:37
